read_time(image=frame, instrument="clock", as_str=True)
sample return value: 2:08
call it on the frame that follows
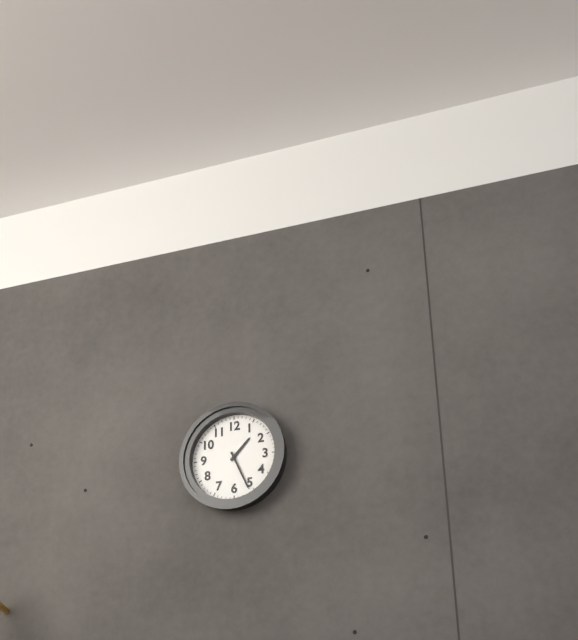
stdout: 1:26
